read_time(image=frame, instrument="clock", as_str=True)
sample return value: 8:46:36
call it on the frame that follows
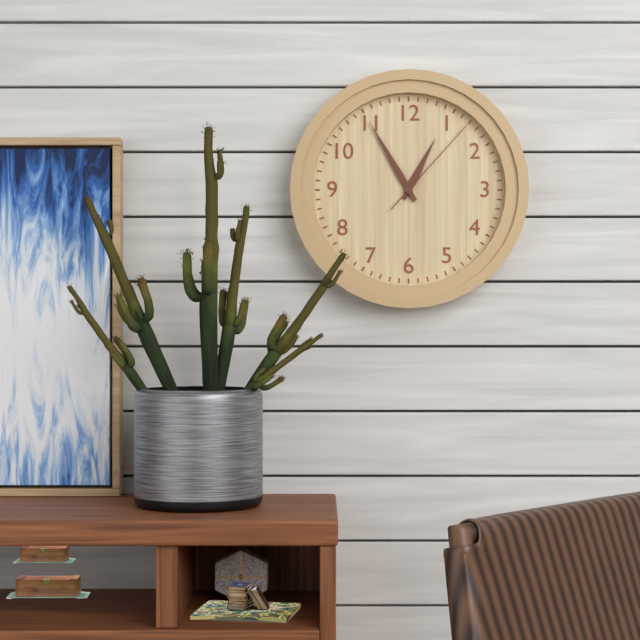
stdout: 12:55:07
